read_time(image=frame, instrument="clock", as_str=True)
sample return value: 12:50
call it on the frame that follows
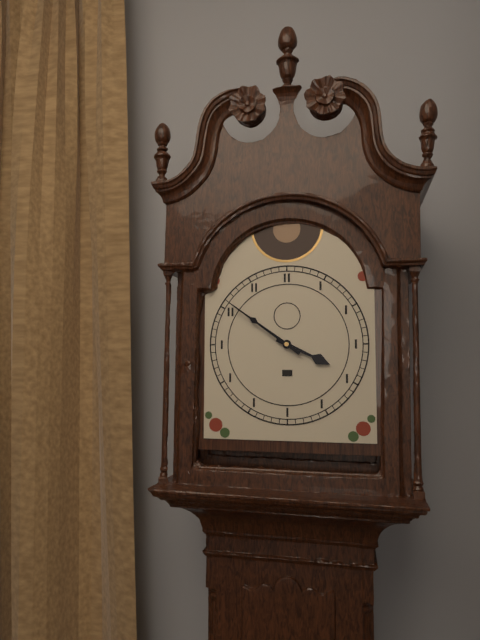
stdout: 3:51
